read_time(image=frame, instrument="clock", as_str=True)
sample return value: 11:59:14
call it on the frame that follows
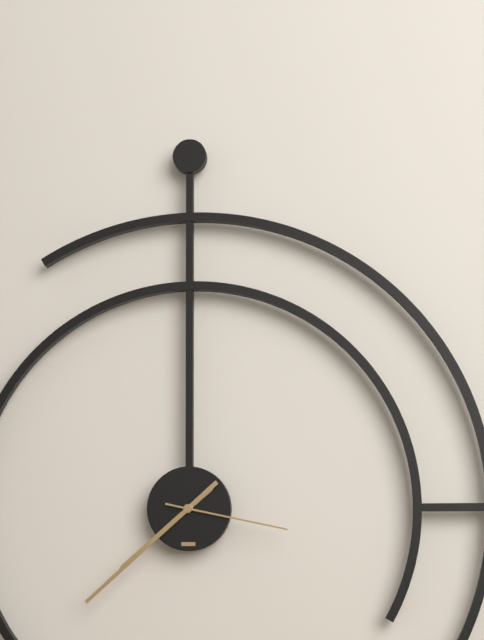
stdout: 7:38:17
